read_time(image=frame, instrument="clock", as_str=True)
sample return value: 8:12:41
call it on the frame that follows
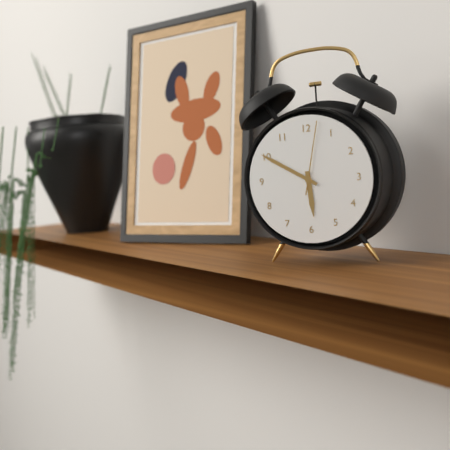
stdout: 5:50:02
